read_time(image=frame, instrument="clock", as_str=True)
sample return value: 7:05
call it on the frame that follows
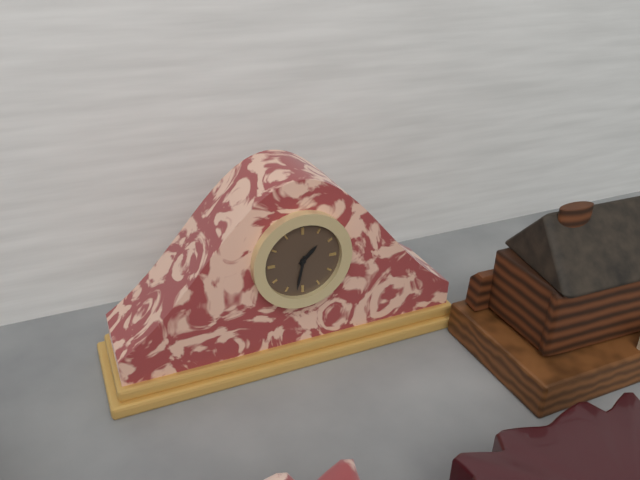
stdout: 1:32
